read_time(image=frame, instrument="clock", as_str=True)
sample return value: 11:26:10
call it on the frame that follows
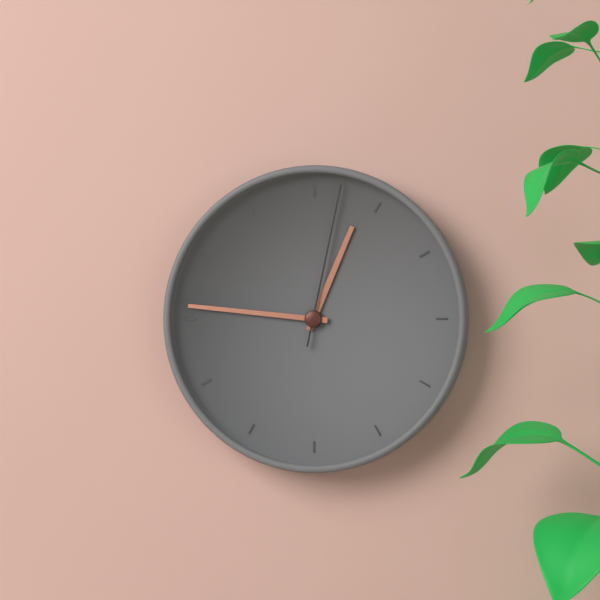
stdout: 12:46:02
